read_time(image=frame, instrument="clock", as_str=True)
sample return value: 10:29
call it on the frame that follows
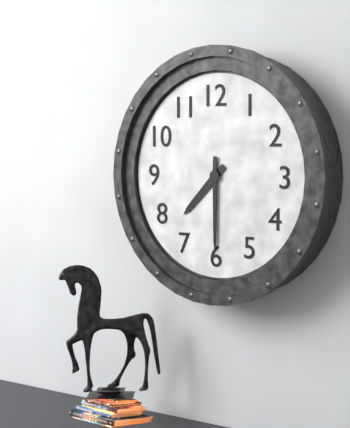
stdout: 7:30
